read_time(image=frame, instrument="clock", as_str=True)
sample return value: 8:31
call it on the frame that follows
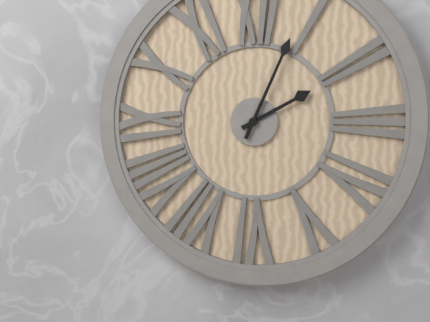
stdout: 2:04
